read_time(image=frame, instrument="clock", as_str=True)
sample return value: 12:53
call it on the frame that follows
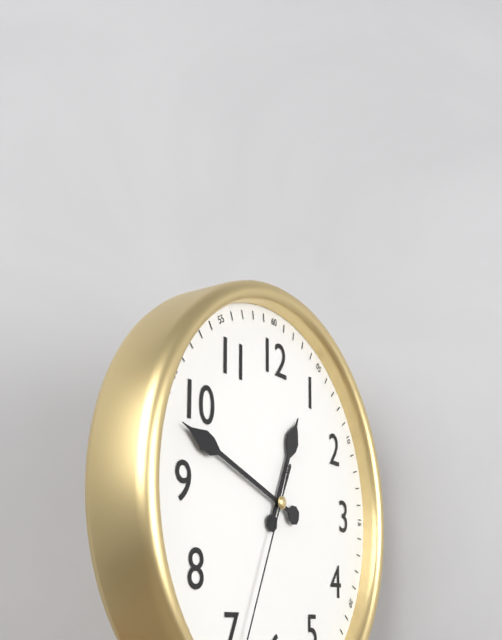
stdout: 12:48
